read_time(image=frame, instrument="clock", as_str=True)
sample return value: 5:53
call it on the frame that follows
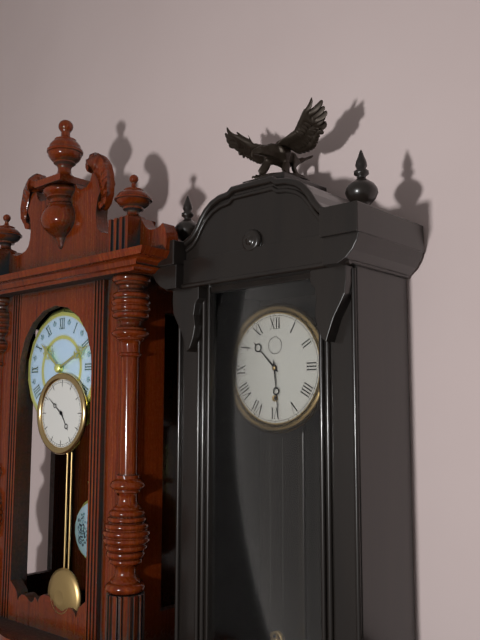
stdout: 10:29
